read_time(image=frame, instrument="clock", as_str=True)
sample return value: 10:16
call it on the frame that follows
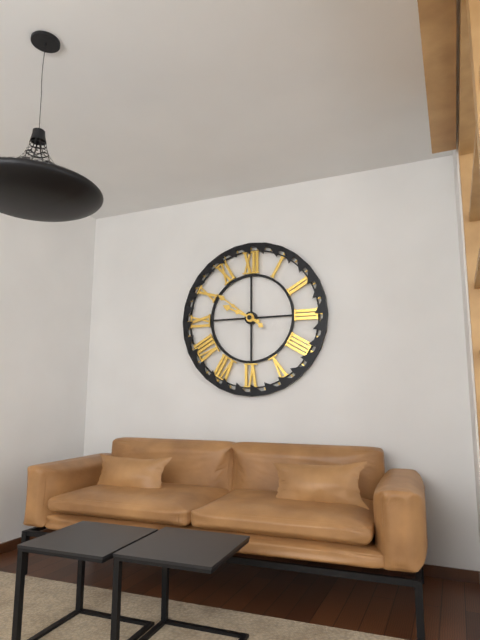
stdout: 9:51
